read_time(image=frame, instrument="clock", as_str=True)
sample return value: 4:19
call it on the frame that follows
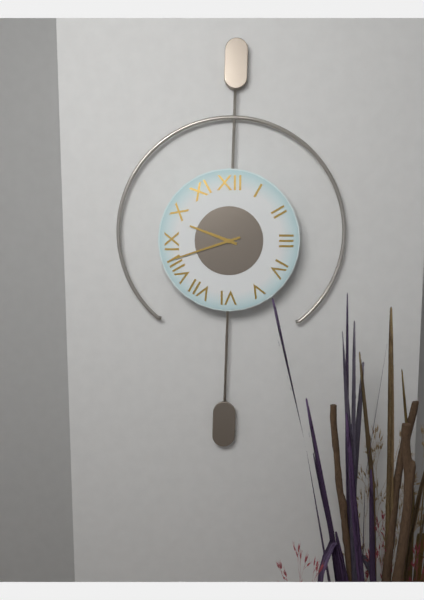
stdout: 9:42
